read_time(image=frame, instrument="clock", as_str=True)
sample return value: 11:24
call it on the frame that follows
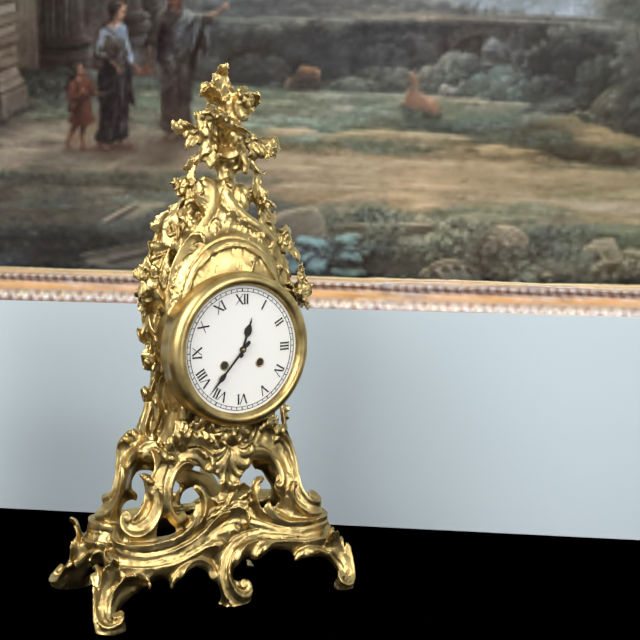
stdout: 12:37
